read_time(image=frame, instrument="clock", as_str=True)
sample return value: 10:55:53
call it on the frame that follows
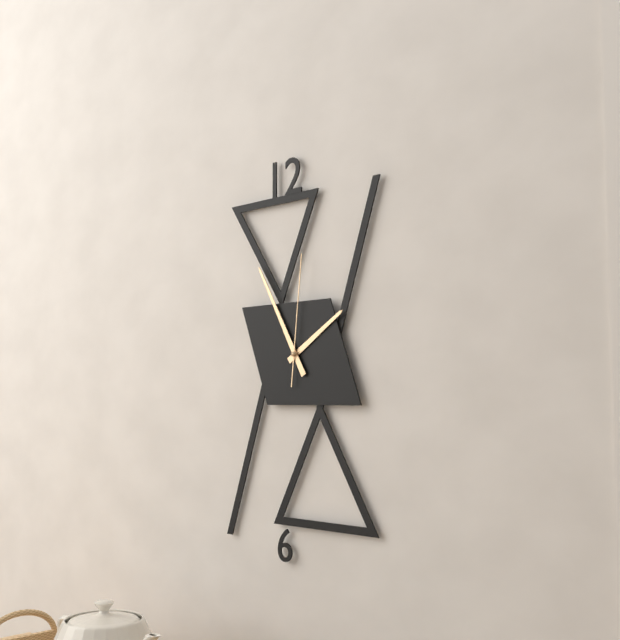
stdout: 1:55:01
